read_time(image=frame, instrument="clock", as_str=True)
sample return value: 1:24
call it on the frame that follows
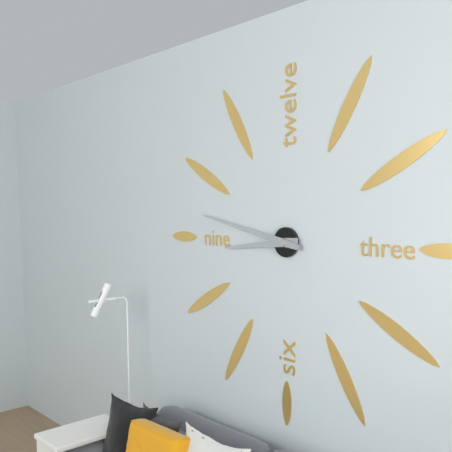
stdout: 8:47
